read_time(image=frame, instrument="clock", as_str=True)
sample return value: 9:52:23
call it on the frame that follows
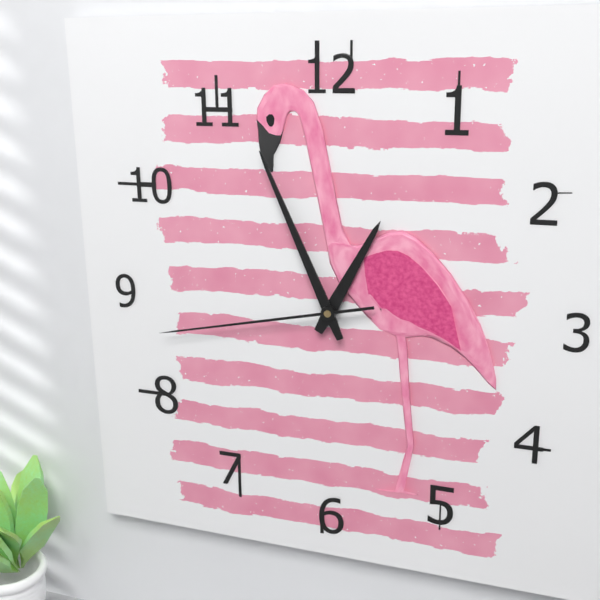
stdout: 12:56:43
